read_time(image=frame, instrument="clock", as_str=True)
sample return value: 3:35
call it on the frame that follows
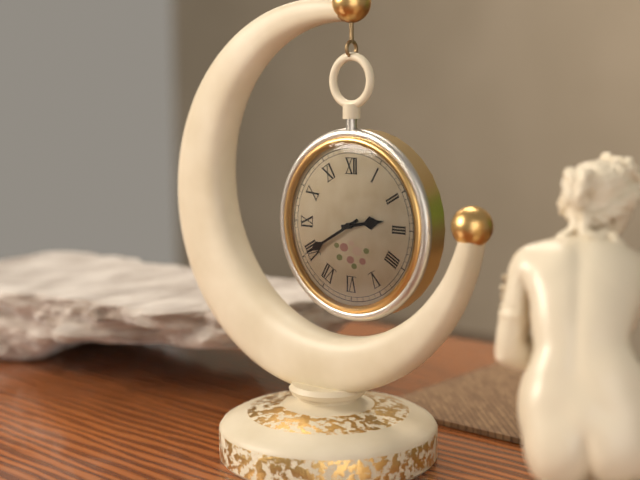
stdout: 2:40
